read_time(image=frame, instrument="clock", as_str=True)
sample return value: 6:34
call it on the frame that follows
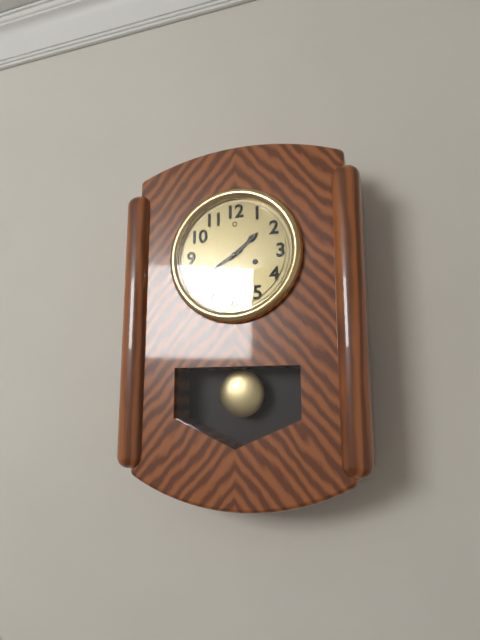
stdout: 1:40
